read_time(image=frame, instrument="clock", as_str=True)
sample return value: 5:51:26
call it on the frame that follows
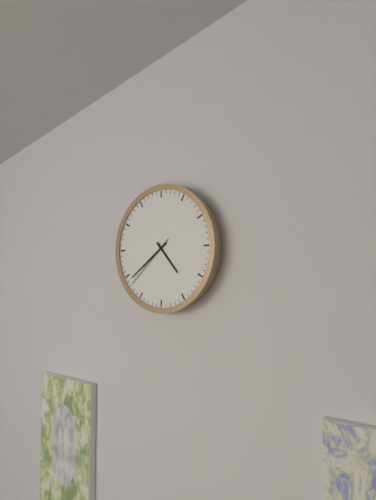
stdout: 4:39:38
